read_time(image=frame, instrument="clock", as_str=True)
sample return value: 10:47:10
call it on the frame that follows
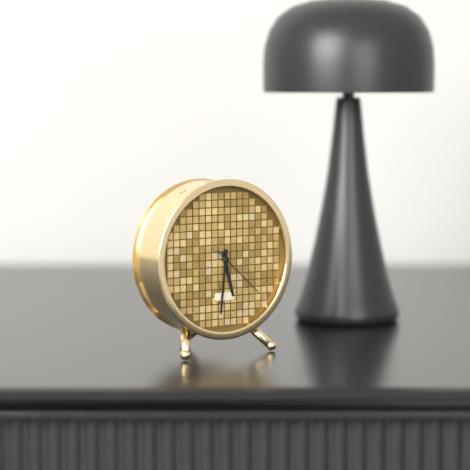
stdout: 5:31:22
